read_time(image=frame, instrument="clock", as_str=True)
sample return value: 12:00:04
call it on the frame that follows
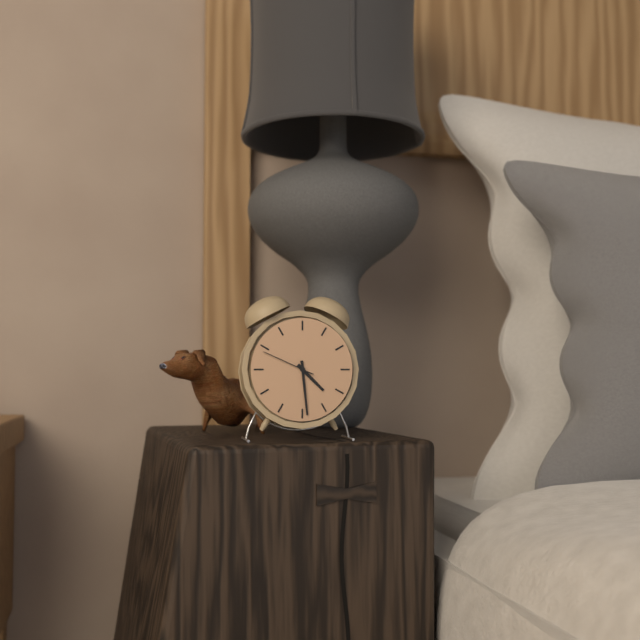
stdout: 4:29:49
